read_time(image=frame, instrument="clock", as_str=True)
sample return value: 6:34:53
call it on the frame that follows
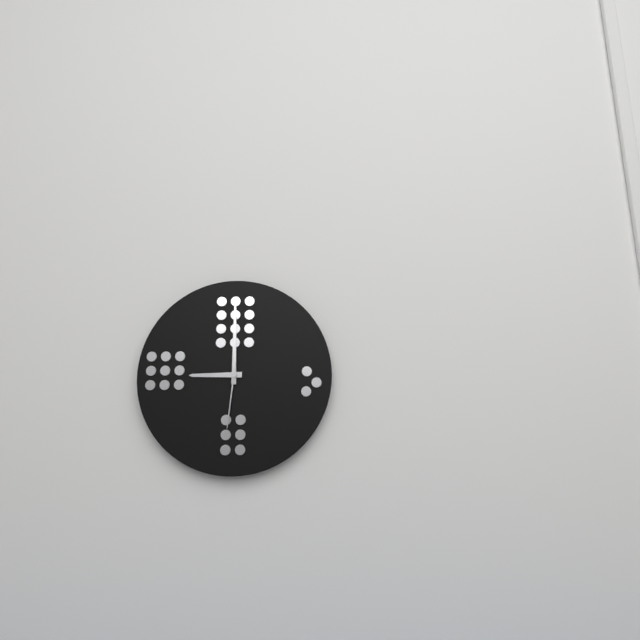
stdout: 9:00:31
